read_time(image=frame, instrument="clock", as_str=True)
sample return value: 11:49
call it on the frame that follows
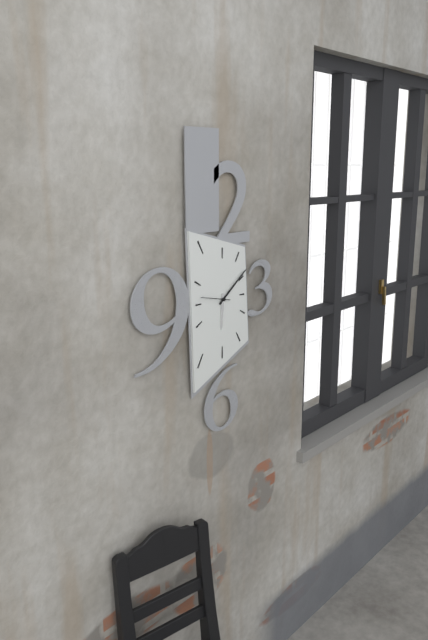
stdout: 6:09
